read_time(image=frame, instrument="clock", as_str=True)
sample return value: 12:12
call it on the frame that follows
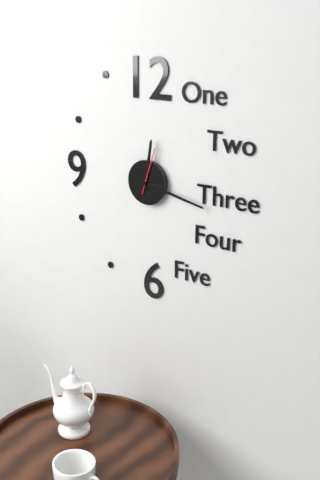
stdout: 12:17
